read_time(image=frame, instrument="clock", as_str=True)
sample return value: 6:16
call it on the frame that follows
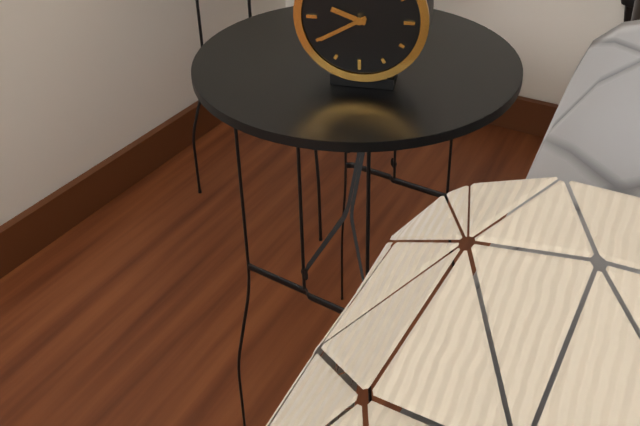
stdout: 9:40
